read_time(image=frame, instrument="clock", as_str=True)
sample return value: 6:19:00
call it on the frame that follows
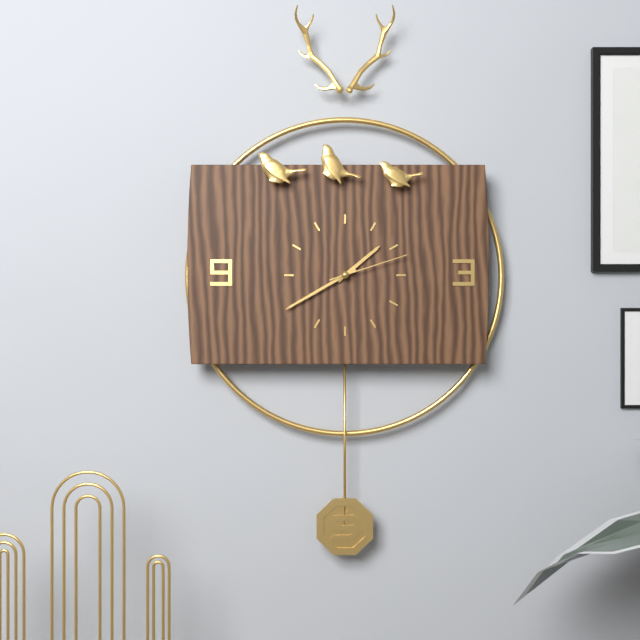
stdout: 1:40:12
